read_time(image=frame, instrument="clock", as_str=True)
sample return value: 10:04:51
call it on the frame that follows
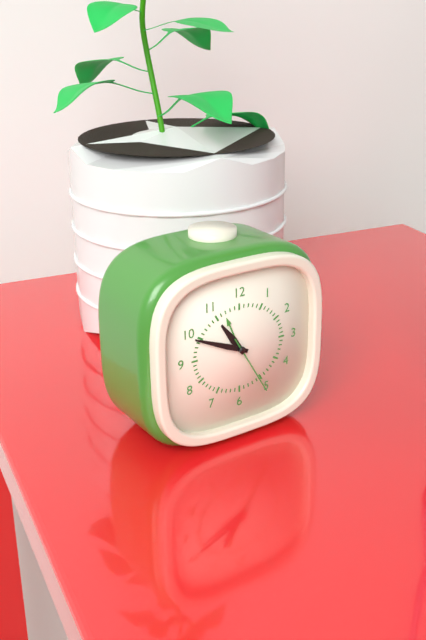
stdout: 10:49:25
